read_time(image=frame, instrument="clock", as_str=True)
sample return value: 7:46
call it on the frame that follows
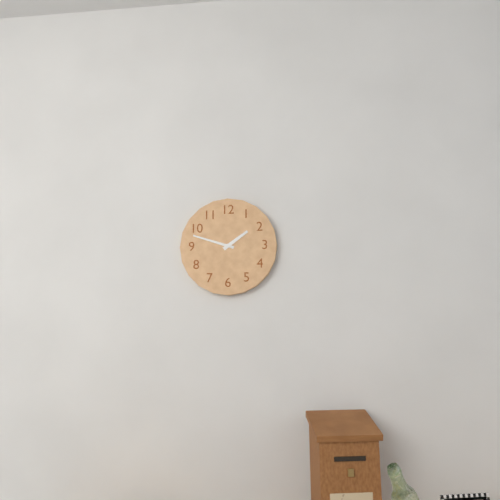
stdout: 1:48
